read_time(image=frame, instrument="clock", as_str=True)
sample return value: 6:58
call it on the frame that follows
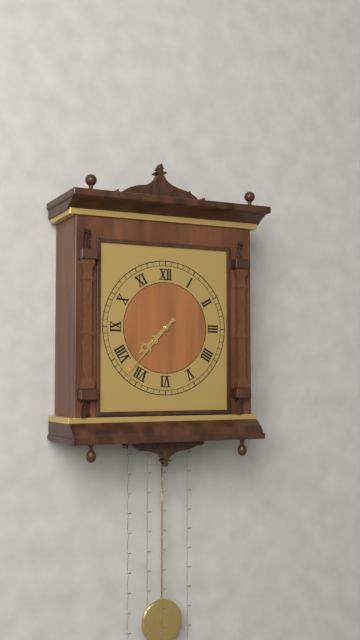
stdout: 7:37
